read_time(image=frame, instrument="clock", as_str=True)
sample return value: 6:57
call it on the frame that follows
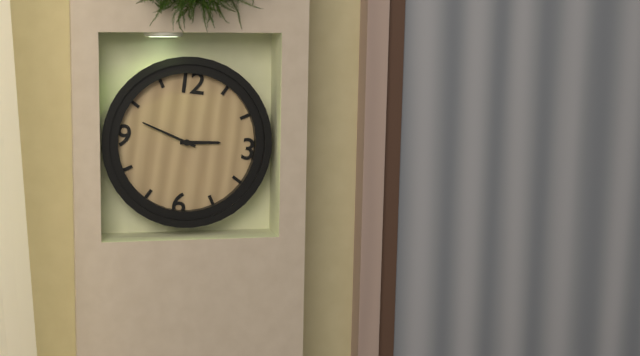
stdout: 2:48
